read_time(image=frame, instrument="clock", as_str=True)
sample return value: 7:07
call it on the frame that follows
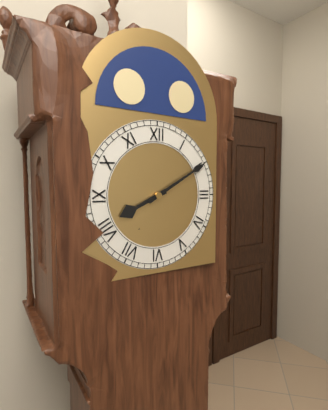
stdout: 8:10
